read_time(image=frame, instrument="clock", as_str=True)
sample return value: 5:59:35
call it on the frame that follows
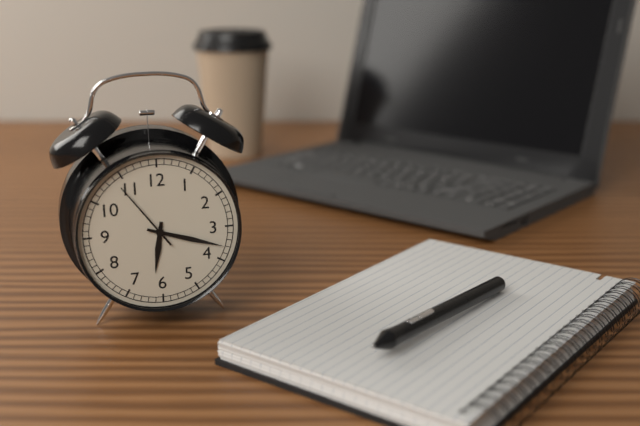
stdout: 6:18:54
